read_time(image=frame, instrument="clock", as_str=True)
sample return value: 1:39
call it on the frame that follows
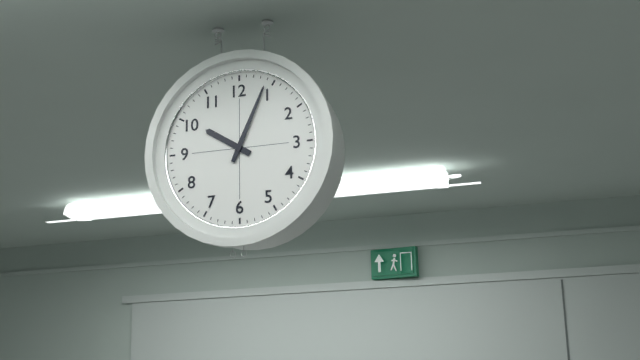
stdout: 10:04
